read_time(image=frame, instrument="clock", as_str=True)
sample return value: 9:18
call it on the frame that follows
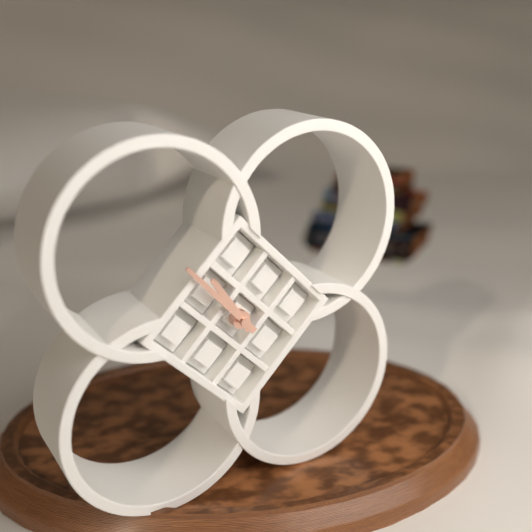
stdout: 10:53
